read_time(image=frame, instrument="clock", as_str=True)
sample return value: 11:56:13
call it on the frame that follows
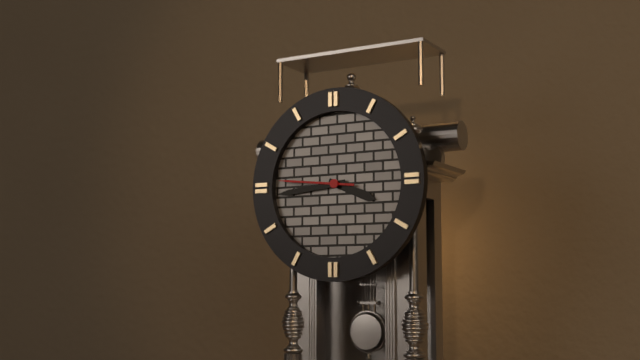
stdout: 3:44:46
